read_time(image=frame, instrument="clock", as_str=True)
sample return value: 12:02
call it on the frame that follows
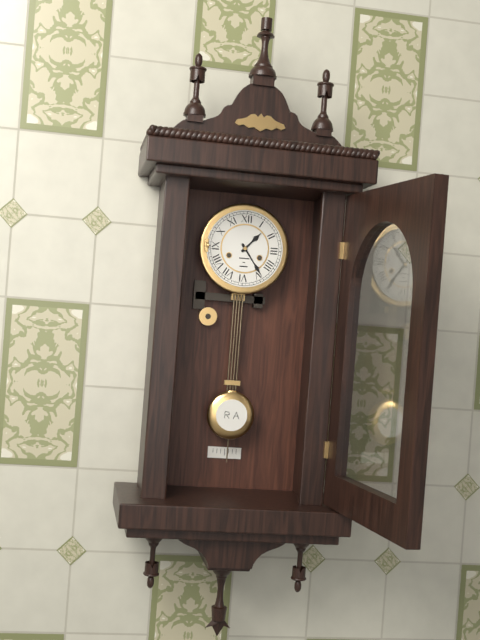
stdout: 1:24
